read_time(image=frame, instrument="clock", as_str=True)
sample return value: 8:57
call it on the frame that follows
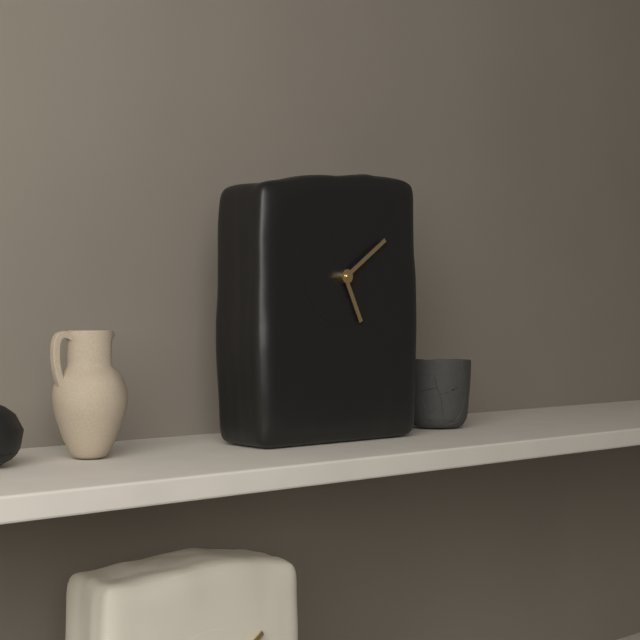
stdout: 5:09
